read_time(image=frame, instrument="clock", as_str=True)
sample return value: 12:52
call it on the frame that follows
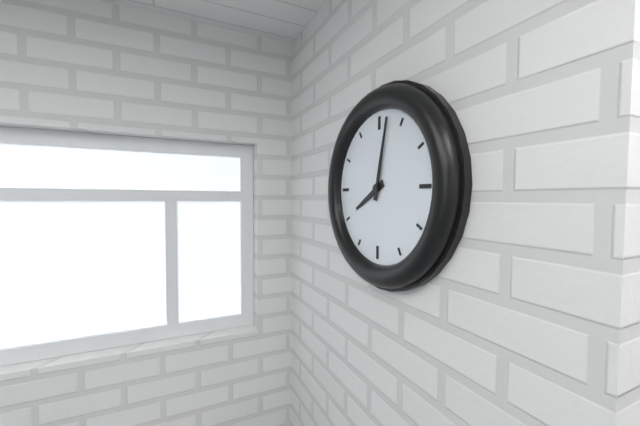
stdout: 8:02
